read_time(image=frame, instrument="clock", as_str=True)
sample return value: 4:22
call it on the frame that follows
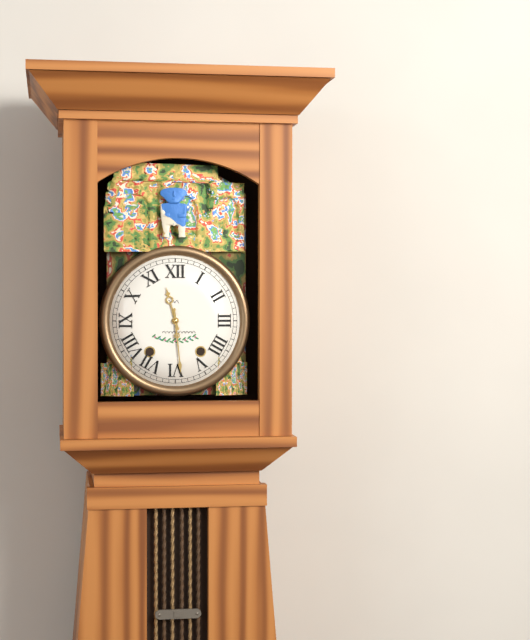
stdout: 11:29
